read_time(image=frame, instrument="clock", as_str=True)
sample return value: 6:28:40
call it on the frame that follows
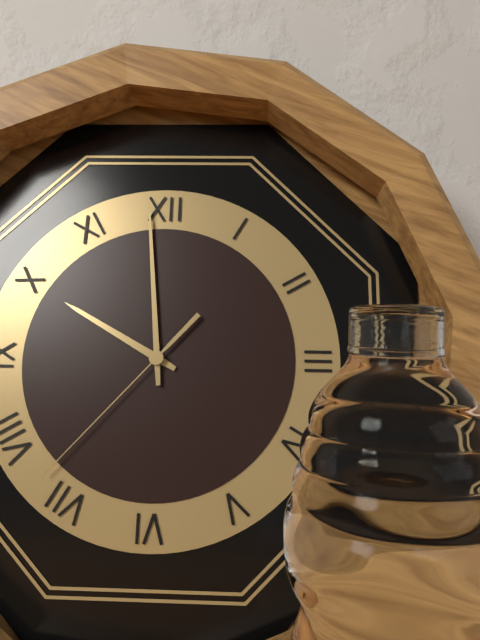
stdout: 9:59:37
